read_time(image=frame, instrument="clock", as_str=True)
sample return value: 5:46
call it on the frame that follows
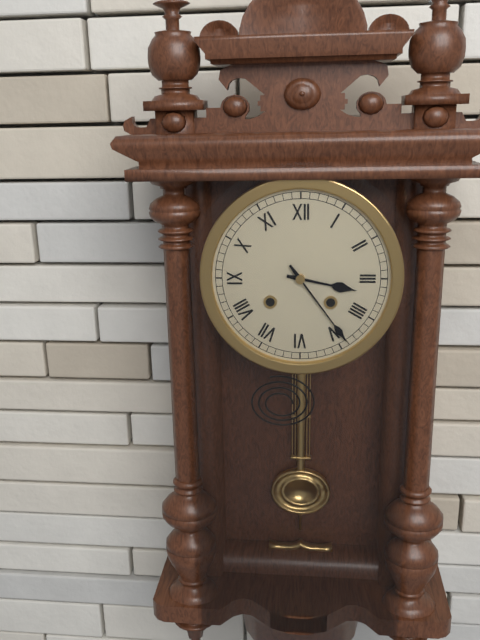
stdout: 3:24
